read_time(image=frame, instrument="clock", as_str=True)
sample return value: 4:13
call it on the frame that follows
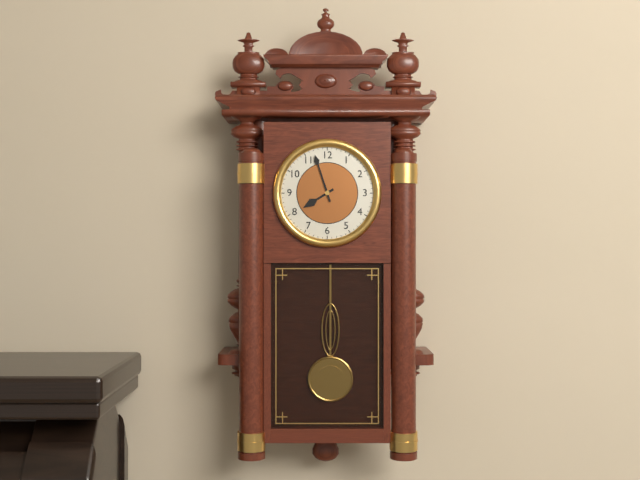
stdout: 7:57
